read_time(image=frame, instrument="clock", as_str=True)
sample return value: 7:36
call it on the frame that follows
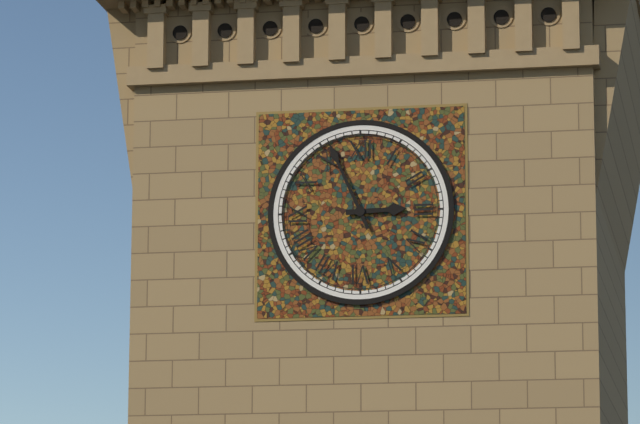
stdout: 2:56
